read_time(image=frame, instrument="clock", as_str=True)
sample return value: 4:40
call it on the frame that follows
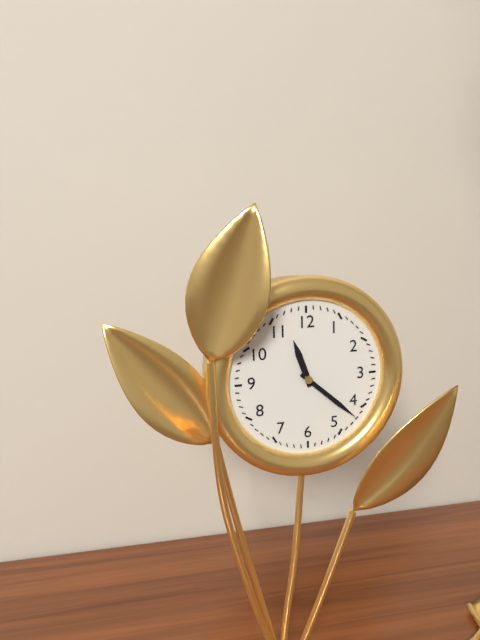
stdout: 11:22
